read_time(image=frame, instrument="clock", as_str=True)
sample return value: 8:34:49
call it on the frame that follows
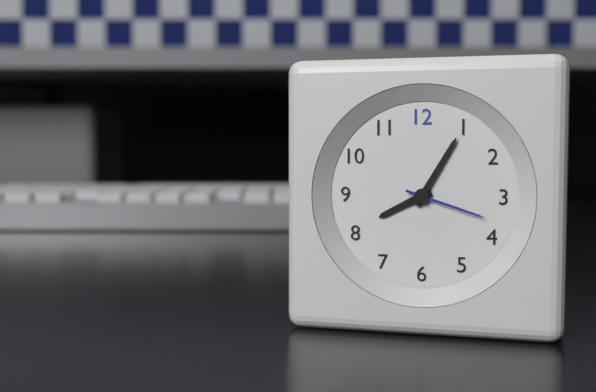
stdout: 8:05:18
